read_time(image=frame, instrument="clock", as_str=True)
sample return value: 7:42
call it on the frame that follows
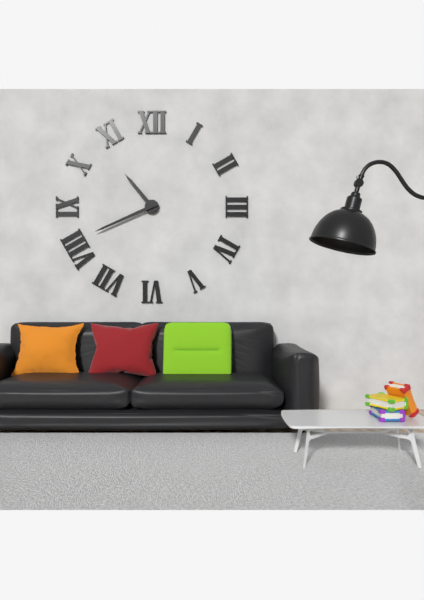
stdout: 10:41
